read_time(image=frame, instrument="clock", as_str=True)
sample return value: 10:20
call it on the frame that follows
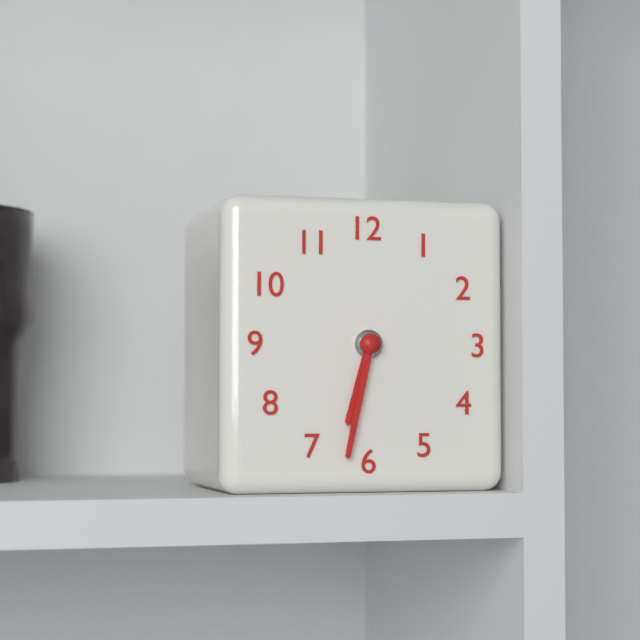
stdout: 6:32
